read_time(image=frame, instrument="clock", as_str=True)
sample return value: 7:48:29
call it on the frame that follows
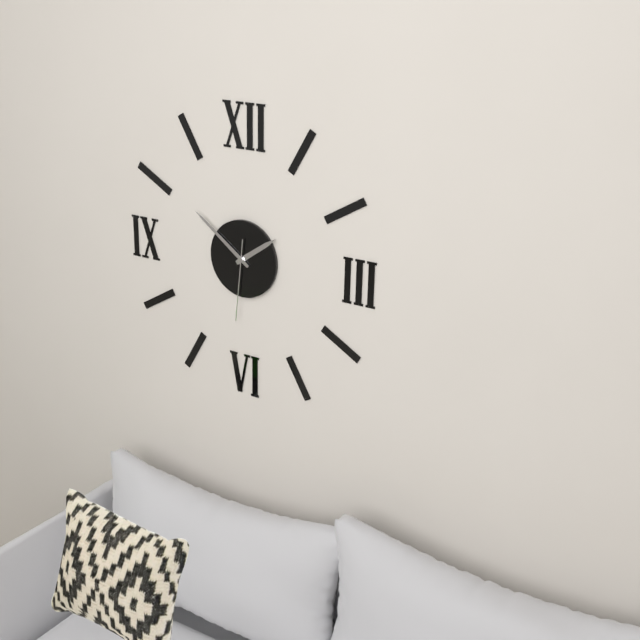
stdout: 1:51:31
